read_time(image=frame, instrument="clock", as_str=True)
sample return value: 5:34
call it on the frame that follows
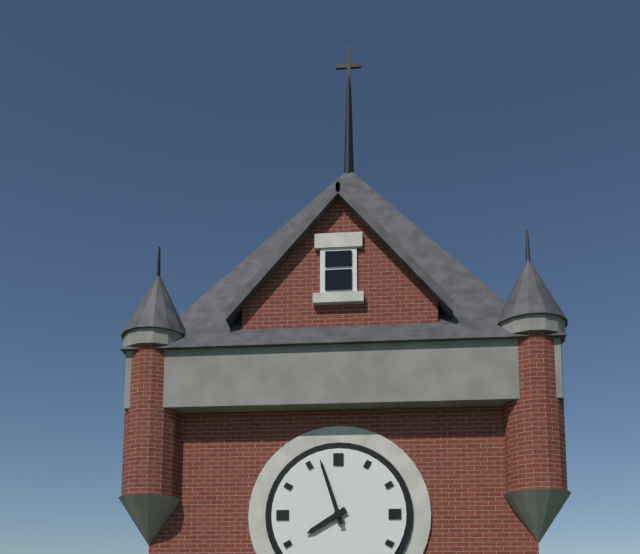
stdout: 7:57
